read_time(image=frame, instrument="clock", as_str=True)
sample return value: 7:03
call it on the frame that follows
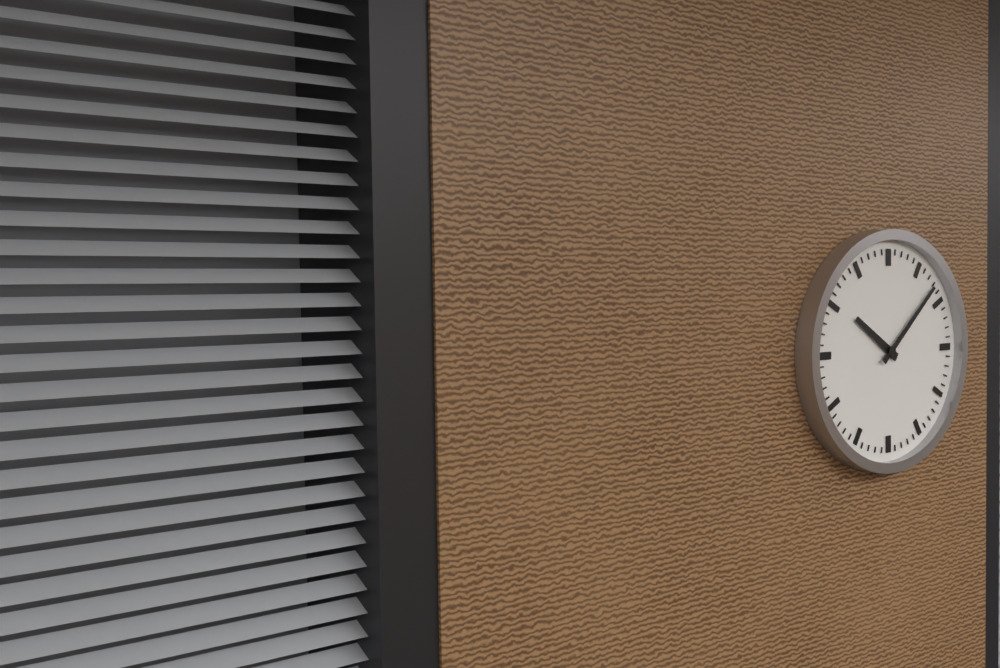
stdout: 10:08
